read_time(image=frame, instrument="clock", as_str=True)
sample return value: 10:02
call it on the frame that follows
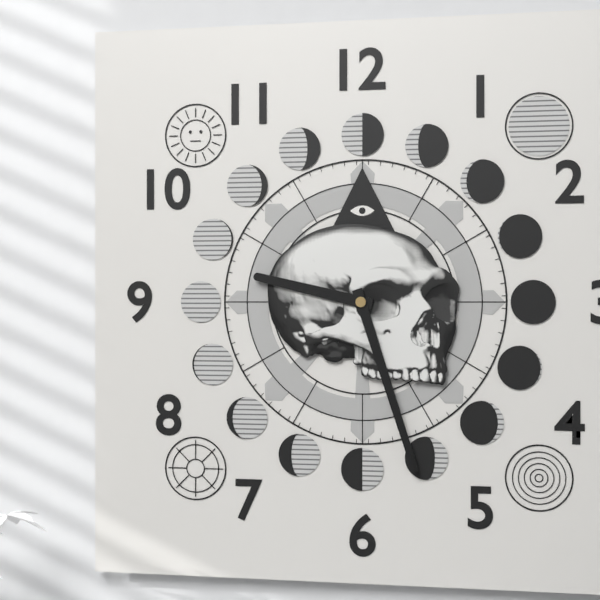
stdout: 9:27
